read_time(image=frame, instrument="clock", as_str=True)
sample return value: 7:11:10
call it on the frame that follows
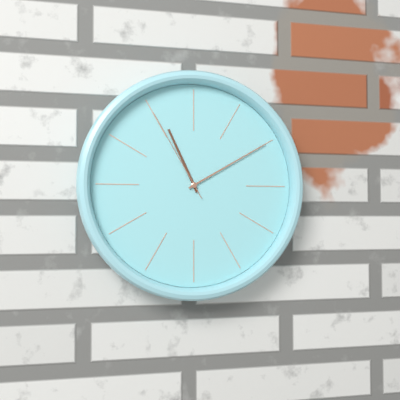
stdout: 11:10:55
